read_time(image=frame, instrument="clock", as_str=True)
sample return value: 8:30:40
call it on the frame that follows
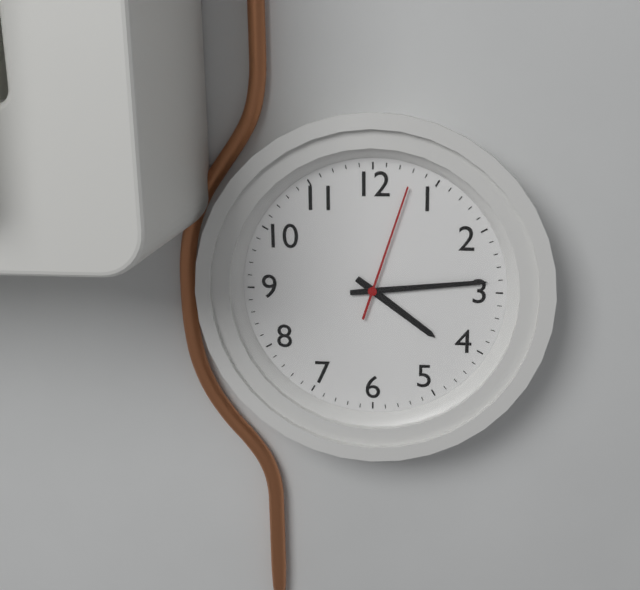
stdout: 4:14:03
